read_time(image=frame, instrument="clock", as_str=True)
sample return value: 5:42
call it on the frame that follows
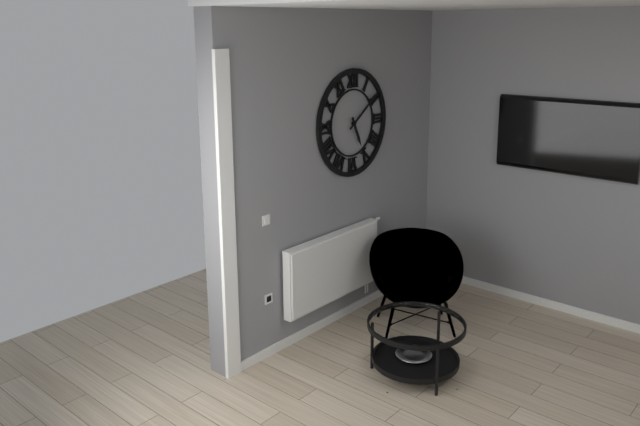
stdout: 5:09
